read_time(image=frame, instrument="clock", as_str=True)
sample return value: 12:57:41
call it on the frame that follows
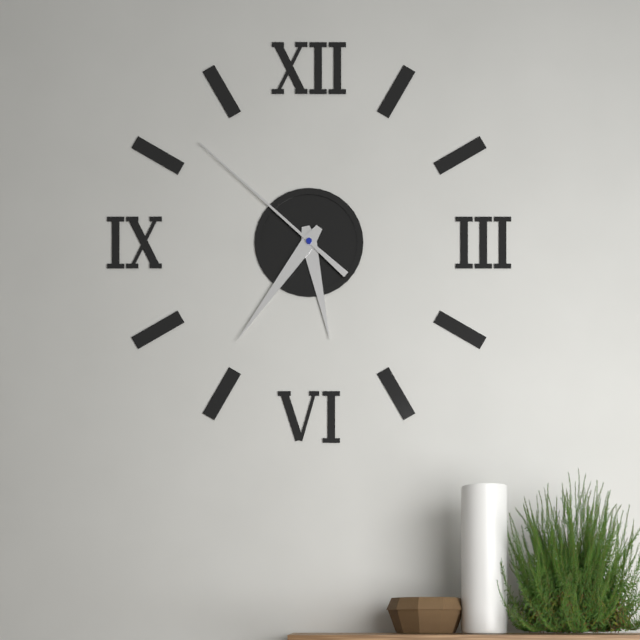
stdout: 5:36:52
